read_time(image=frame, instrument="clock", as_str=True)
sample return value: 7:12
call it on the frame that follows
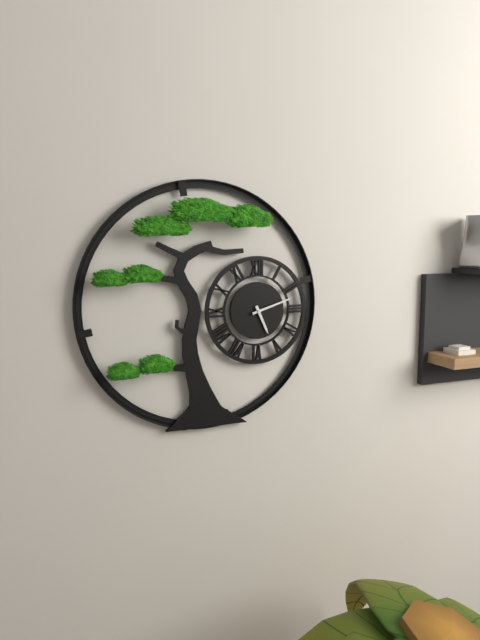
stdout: 5:12
